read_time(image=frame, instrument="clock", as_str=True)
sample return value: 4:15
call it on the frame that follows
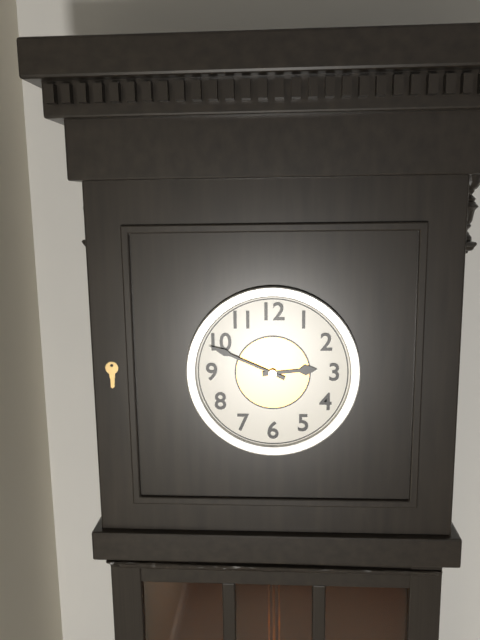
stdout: 2:49
